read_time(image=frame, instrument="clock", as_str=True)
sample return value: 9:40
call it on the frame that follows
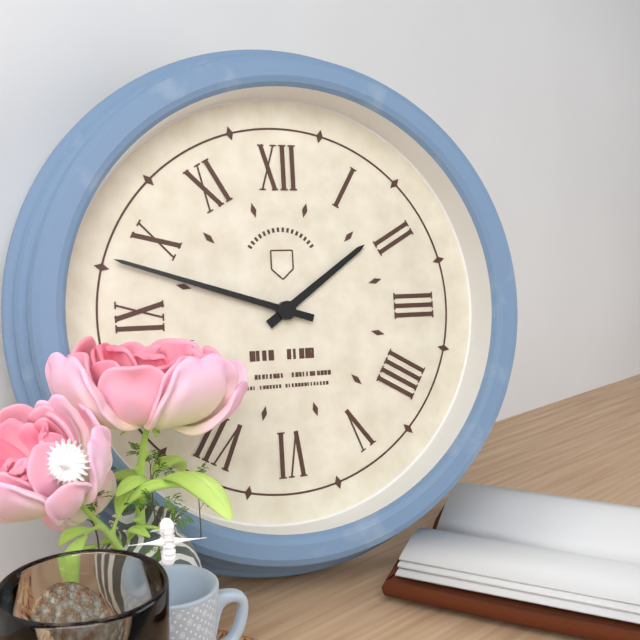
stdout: 1:48
